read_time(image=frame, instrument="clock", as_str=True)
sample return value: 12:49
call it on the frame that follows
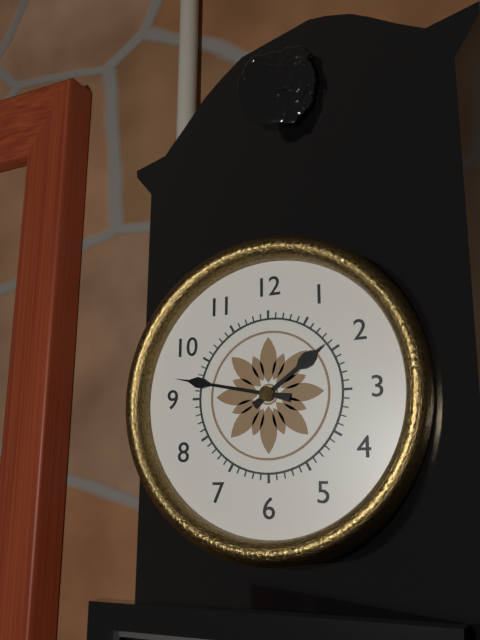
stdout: 1:47
